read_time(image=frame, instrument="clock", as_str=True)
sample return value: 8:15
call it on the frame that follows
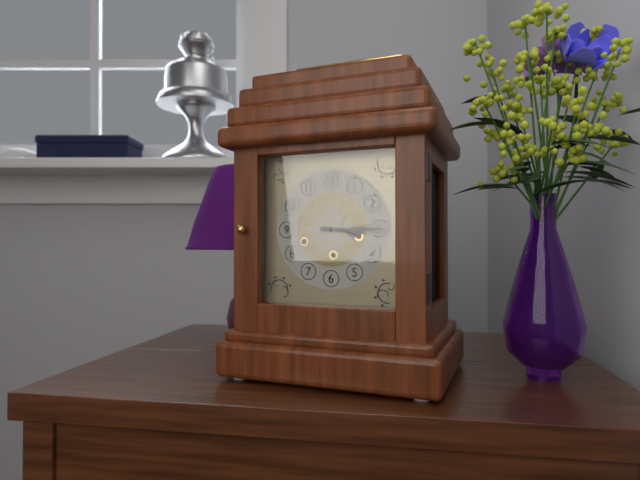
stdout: 3:15
